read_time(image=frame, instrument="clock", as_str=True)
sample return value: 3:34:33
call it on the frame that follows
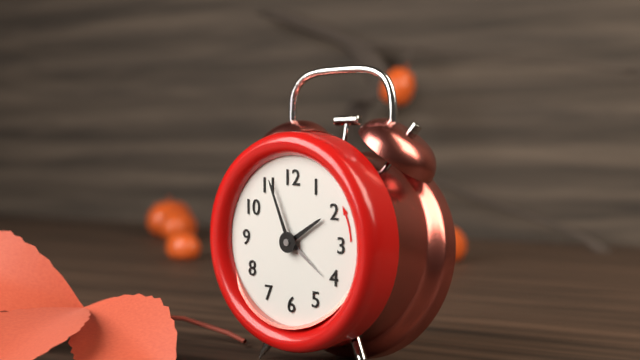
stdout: 1:56:21
